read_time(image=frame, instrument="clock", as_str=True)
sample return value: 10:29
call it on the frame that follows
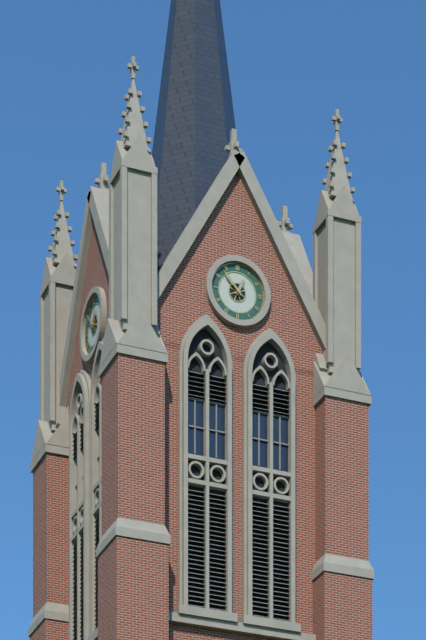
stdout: 12:53
